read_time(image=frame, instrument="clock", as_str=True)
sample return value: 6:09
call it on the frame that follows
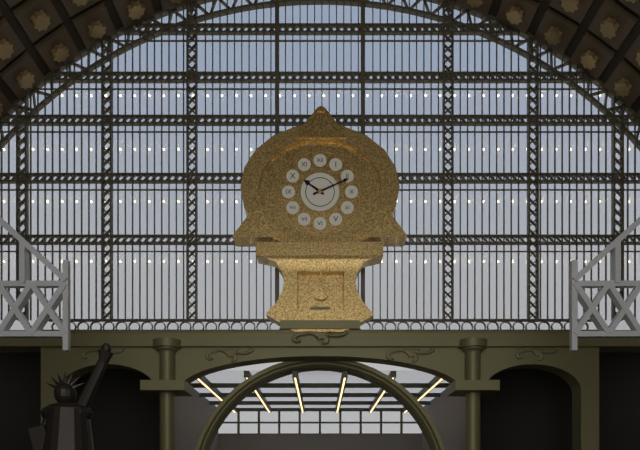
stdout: 10:11
